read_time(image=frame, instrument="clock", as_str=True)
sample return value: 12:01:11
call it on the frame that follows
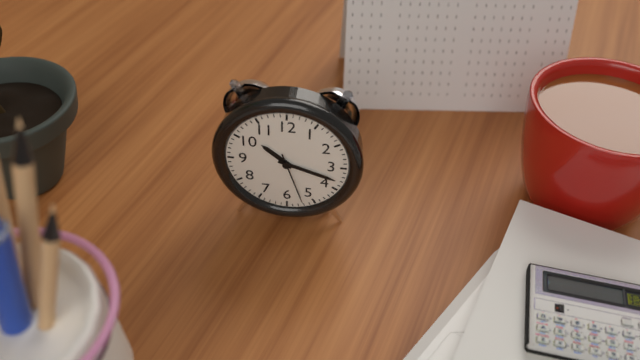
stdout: 10:18:27
